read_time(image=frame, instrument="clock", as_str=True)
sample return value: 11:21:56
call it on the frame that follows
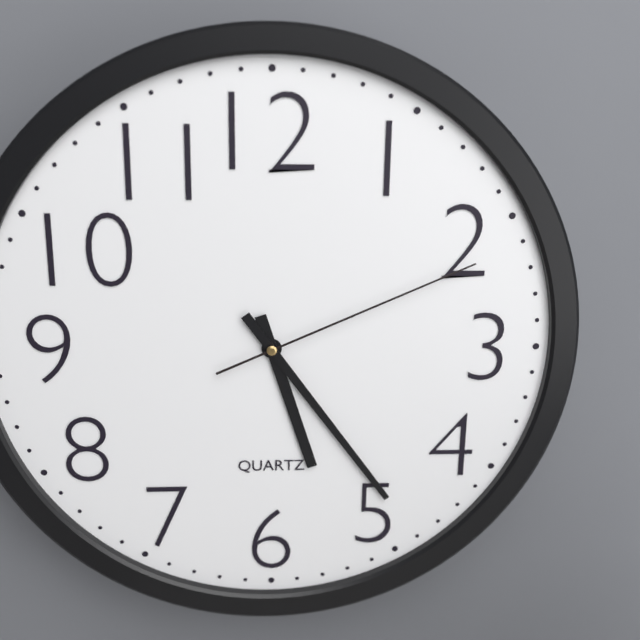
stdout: 5:24:11
